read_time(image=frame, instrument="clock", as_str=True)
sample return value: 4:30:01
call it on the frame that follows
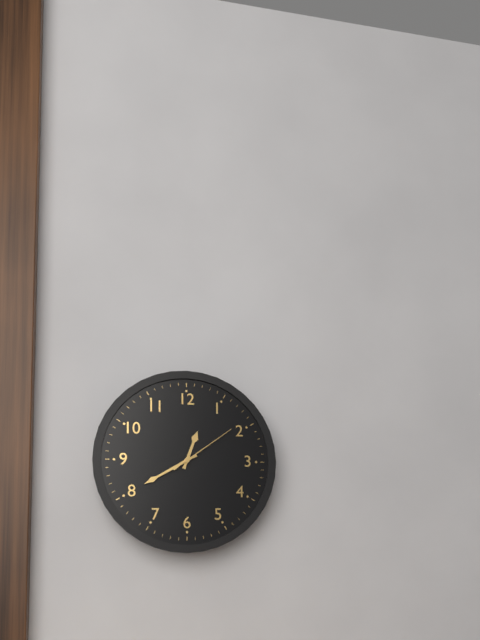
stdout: 12:40:09
